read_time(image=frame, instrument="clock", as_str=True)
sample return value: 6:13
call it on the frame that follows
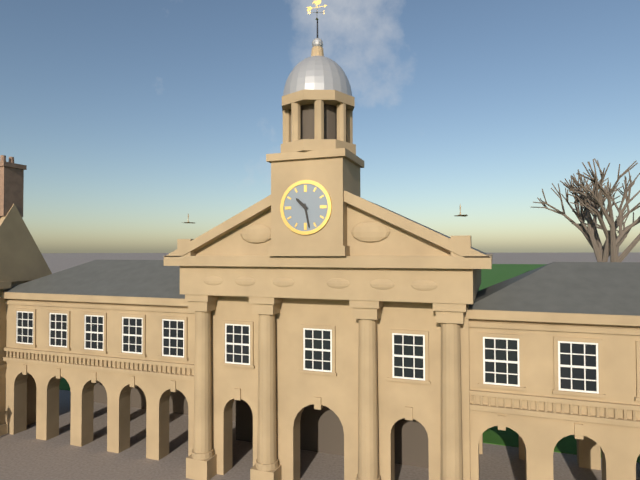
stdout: 10:28
